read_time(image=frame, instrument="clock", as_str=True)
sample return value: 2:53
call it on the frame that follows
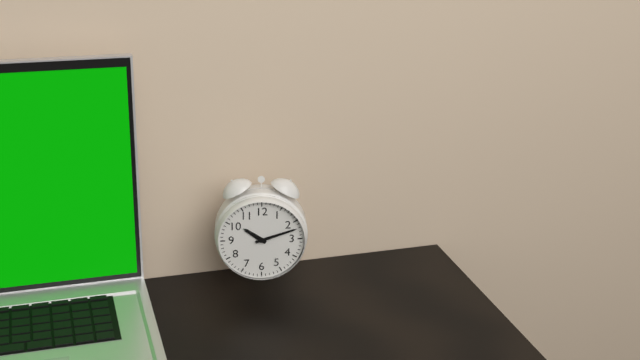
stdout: 10:12
